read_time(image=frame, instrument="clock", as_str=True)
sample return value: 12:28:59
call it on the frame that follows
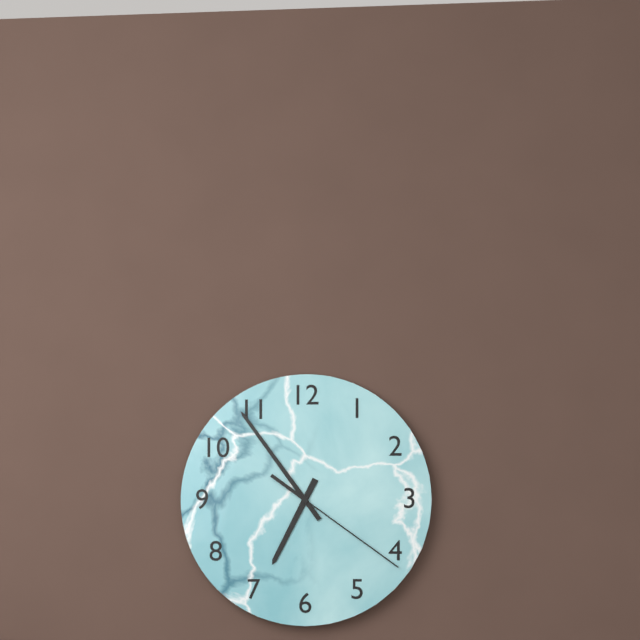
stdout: 6:54:21
